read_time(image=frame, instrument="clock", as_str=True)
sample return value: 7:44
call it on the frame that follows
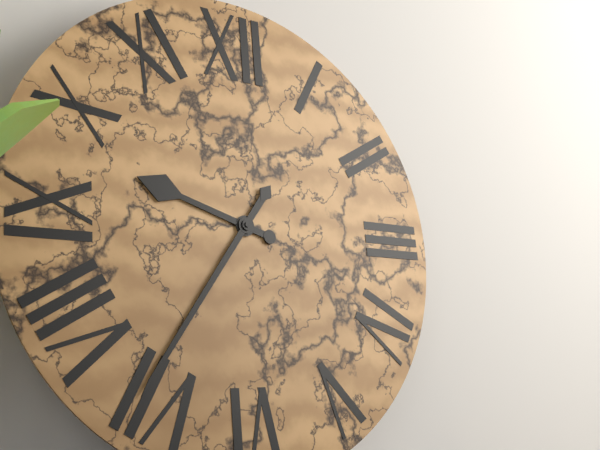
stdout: 9:36
